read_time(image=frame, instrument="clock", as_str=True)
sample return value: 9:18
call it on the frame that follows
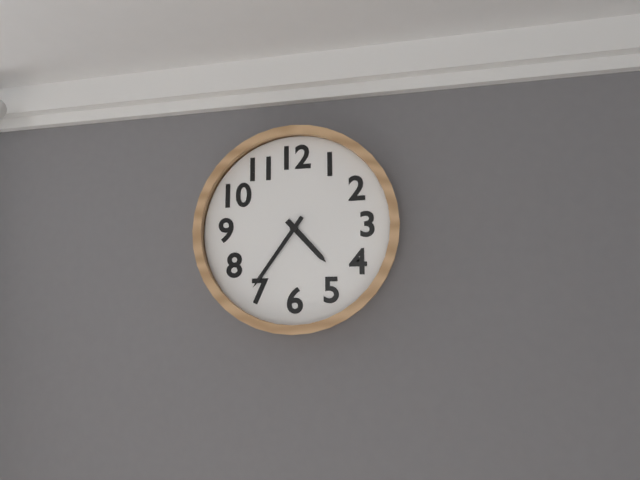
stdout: 4:36
